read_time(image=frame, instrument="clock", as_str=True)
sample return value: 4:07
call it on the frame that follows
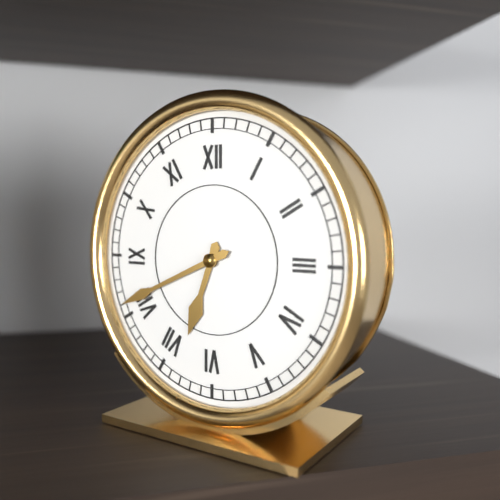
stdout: 6:41
